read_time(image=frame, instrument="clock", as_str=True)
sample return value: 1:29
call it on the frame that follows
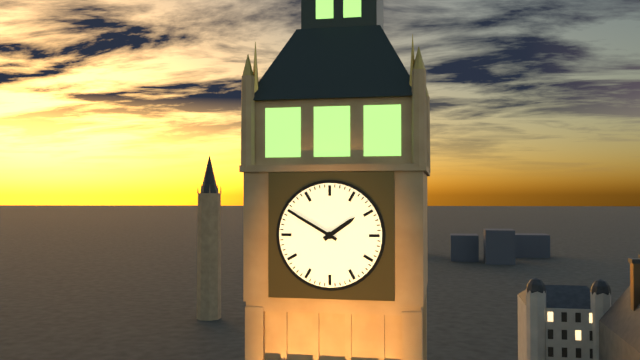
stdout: 1:50
